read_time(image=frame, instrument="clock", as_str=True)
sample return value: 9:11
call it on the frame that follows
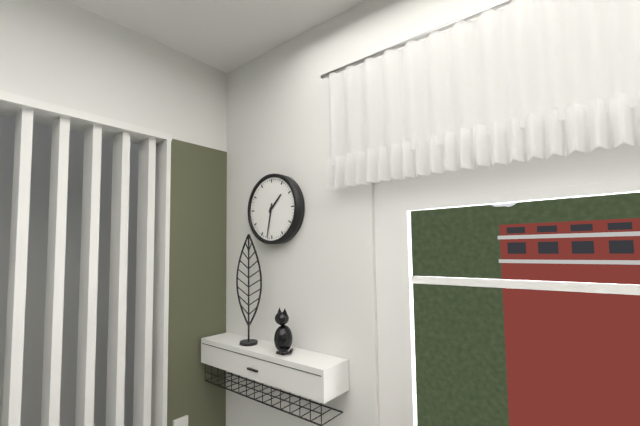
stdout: 1:32
